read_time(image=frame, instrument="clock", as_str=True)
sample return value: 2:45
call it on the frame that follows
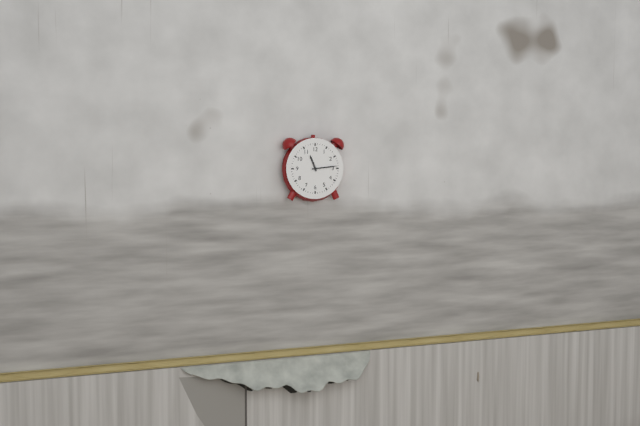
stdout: 11:14
